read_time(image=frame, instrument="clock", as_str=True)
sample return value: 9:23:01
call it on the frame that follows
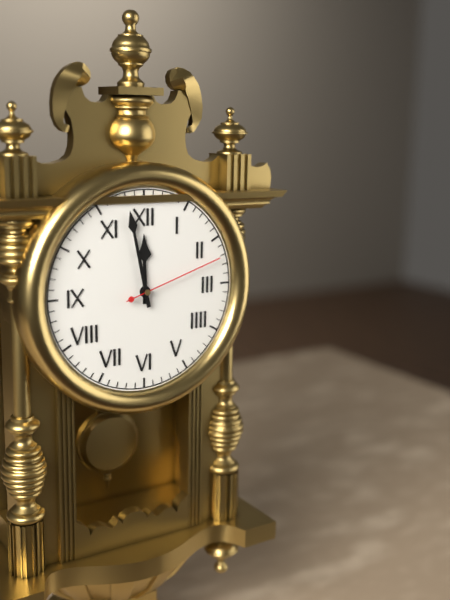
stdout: 11:58:12
